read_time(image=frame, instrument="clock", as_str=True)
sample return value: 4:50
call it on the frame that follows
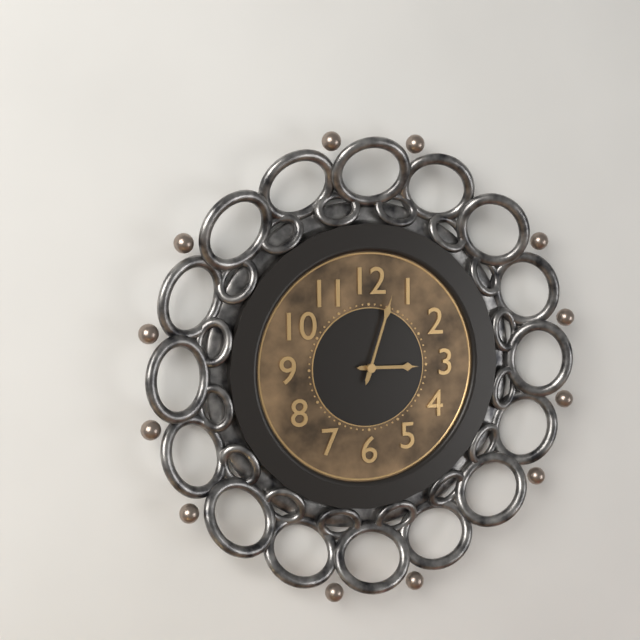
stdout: 3:03
